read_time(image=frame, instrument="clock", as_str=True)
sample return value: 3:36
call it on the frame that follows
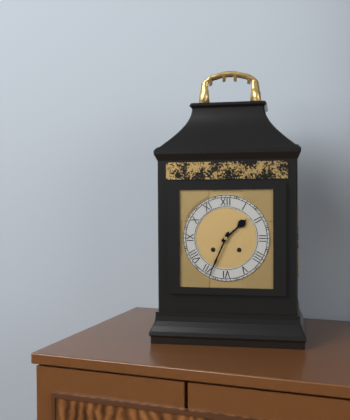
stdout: 1:34
